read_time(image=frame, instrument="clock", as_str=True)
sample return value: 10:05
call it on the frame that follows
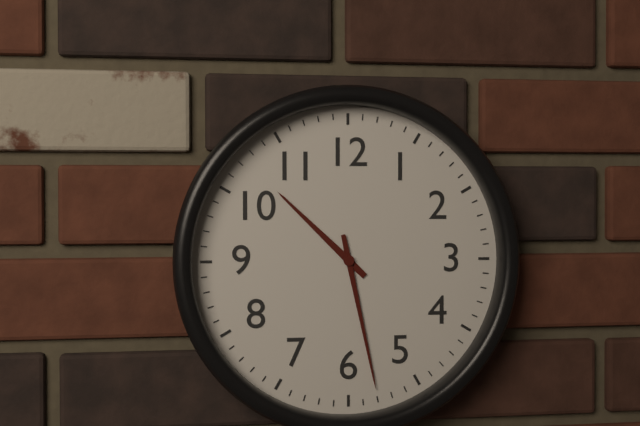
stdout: 10:28
